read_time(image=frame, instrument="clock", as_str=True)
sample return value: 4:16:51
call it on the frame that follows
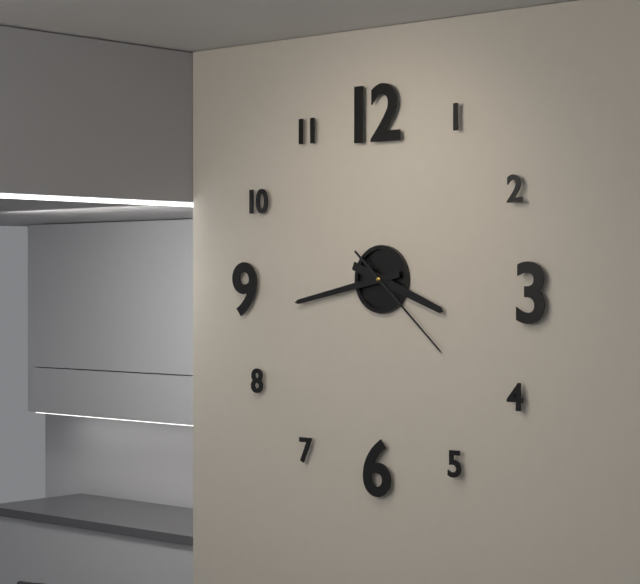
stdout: 3:43:22
